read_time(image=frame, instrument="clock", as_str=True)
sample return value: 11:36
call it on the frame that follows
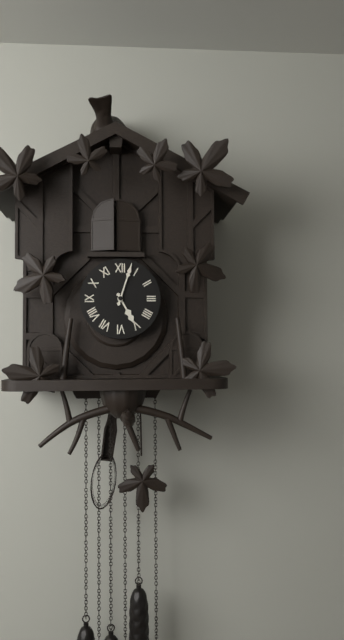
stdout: 5:03
